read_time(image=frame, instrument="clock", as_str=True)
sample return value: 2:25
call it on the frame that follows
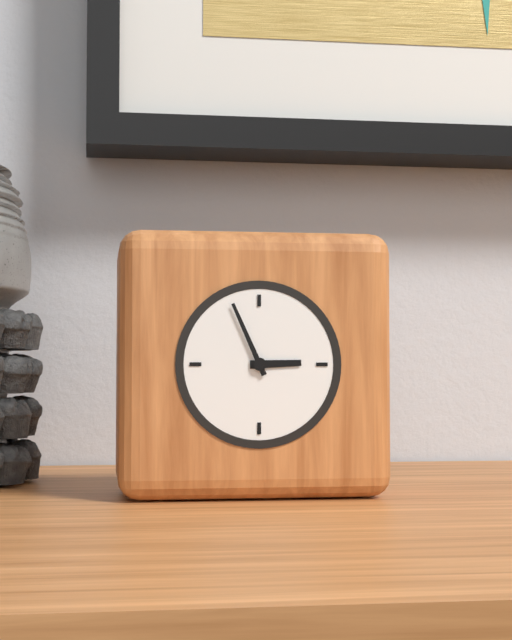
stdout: 2:56
